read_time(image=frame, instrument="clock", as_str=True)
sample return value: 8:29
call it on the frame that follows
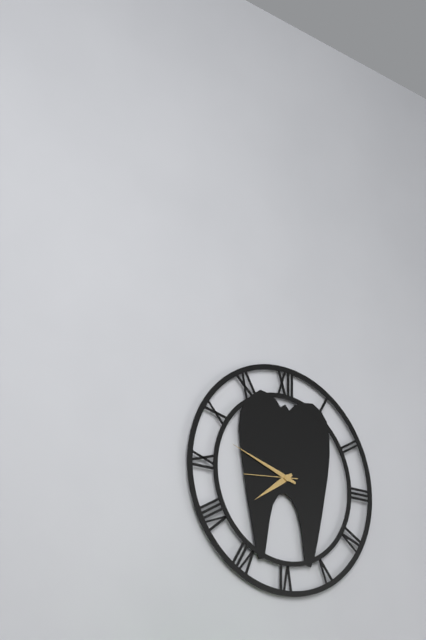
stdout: 7:48
